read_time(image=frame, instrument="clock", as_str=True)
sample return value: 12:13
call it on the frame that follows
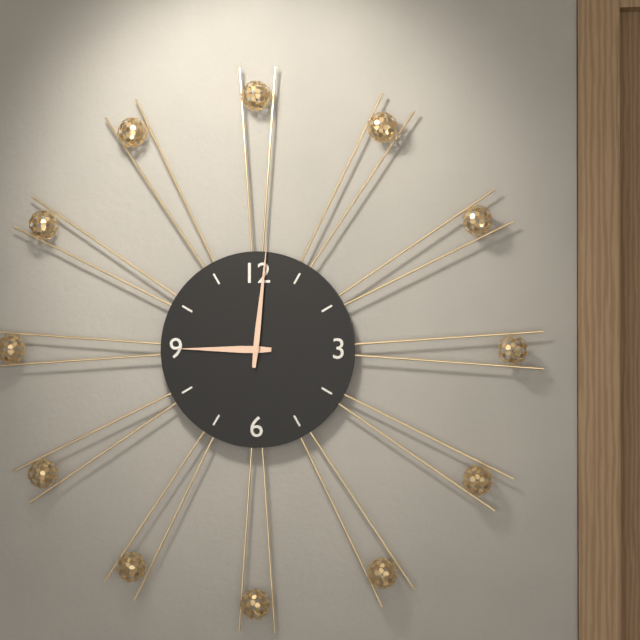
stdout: 9:01
